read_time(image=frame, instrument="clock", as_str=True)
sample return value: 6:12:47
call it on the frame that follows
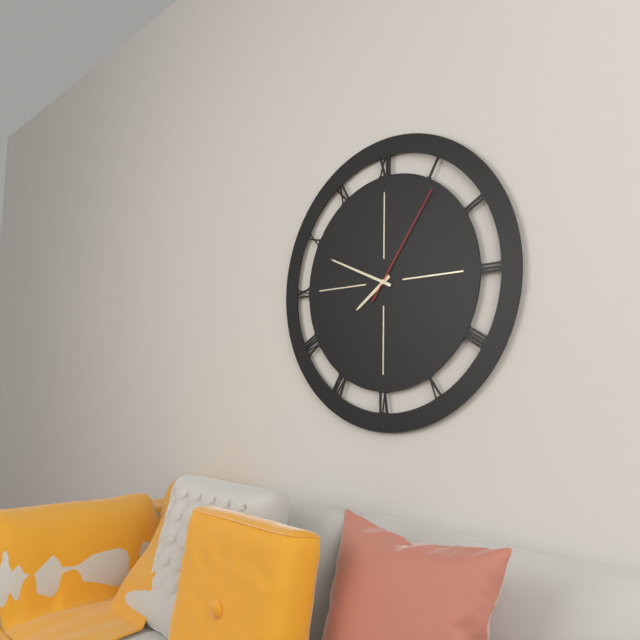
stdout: 7:49:06
